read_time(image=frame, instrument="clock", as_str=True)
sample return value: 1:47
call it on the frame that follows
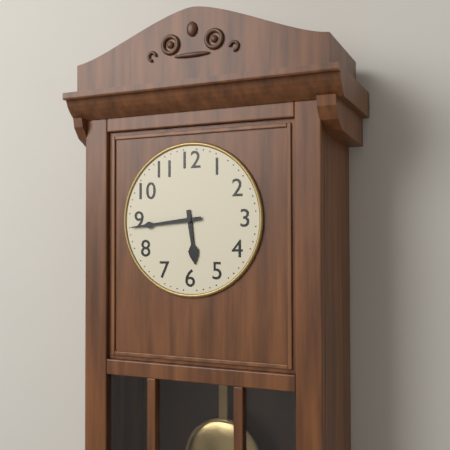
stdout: 5:44
